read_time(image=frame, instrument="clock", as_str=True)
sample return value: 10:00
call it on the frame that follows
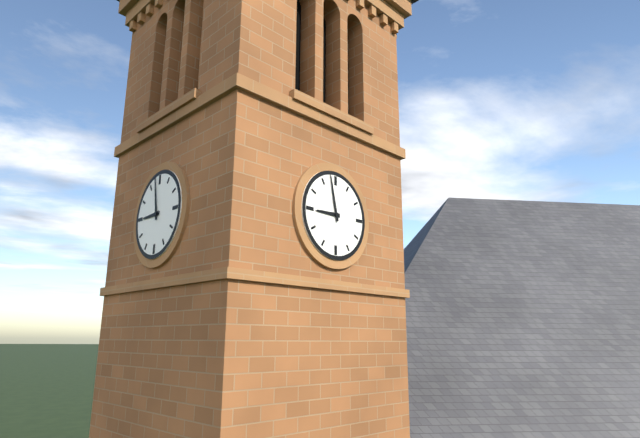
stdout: 8:58
